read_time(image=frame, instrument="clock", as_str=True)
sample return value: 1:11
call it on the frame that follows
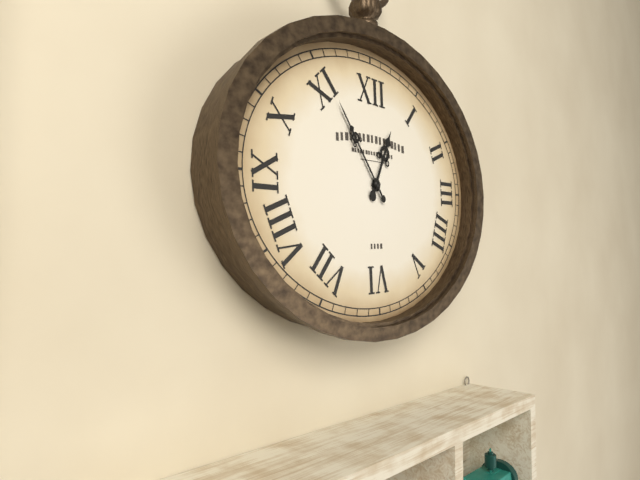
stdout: 12:54
